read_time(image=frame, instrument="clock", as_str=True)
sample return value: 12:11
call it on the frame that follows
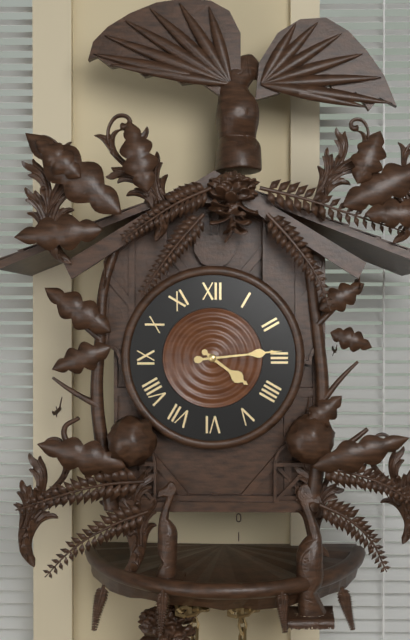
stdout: 4:14
